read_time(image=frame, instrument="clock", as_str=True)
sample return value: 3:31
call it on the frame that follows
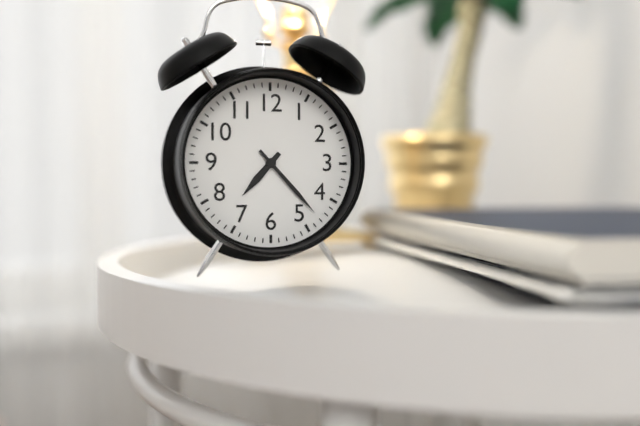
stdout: 7:23
